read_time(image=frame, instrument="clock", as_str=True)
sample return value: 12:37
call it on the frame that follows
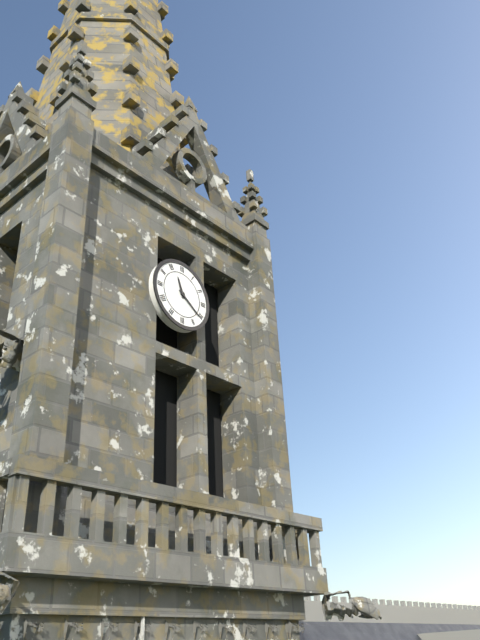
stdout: 11:21
